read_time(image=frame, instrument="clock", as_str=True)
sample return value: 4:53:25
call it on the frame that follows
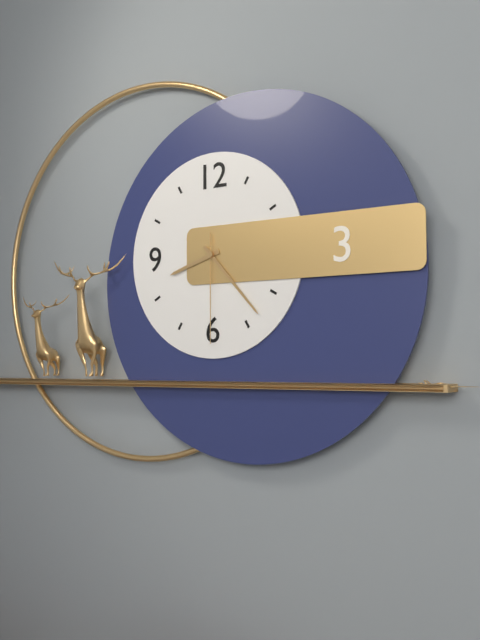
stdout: 8:23:30
